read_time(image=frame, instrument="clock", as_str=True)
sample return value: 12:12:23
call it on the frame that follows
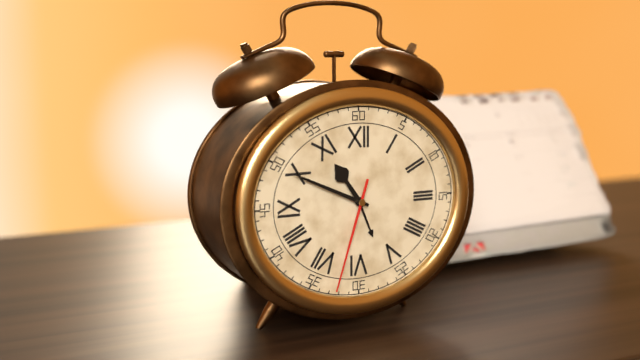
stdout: 10:49:33
